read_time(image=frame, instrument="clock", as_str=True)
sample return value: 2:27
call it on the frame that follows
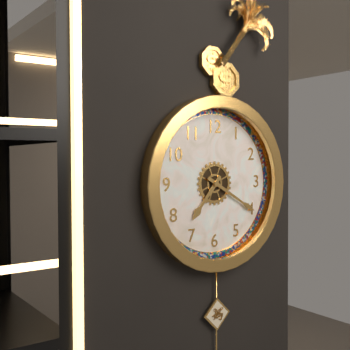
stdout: 7:20
